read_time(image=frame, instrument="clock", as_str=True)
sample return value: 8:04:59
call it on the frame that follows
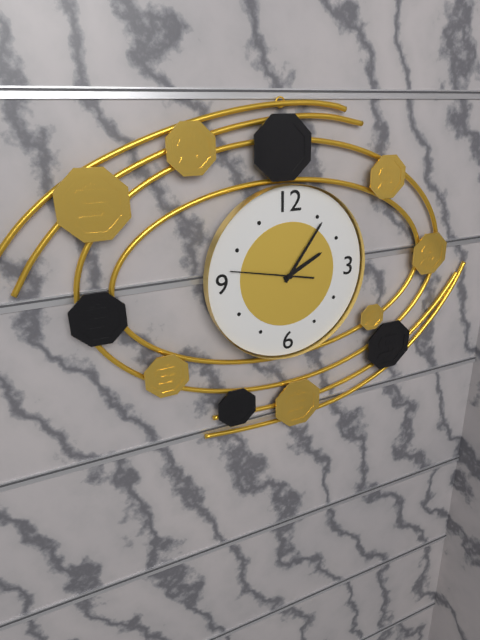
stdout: 2:06:47
